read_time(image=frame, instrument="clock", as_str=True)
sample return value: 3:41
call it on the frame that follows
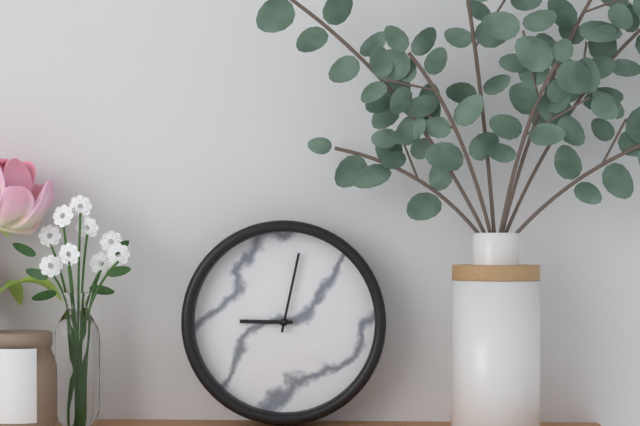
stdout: 9:02
